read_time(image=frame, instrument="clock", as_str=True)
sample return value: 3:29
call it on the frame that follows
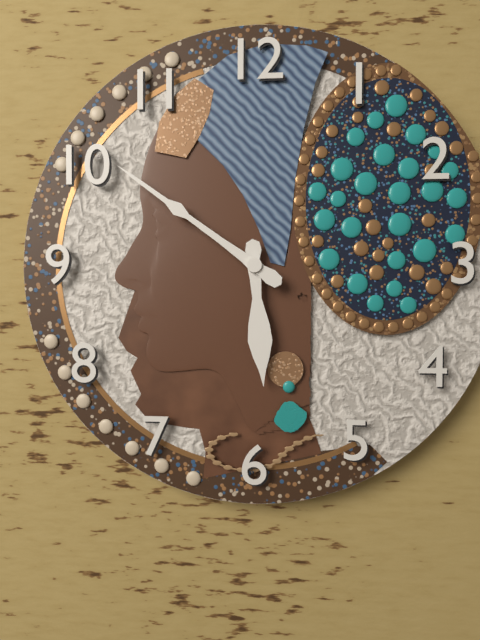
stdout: 5:51
